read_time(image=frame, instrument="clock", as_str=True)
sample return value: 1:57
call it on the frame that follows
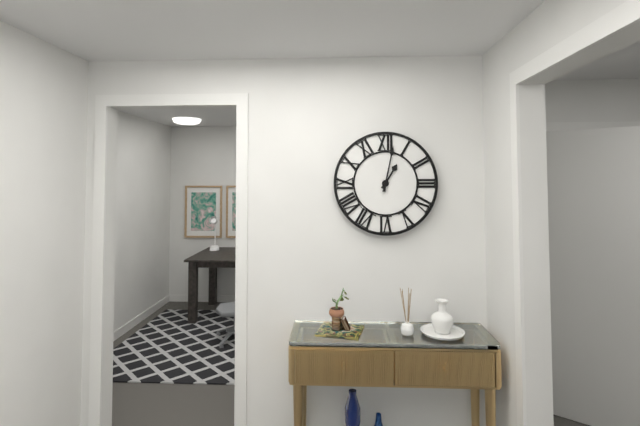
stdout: 1:02
